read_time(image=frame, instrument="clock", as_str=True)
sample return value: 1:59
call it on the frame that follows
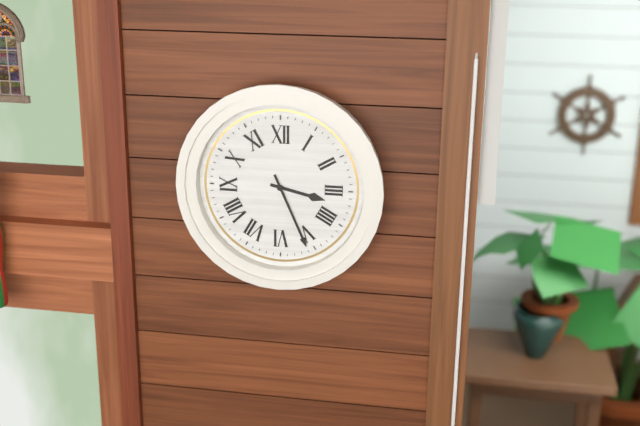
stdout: 3:26
